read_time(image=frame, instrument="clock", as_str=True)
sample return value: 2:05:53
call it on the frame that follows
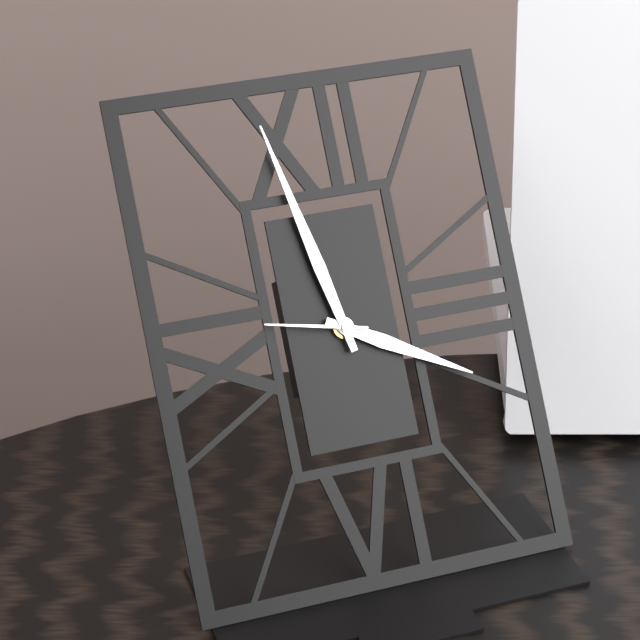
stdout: 3:58:47
